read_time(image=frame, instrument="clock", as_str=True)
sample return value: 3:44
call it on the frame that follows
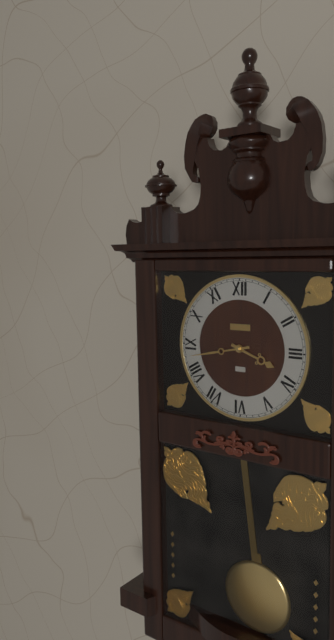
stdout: 3:43
